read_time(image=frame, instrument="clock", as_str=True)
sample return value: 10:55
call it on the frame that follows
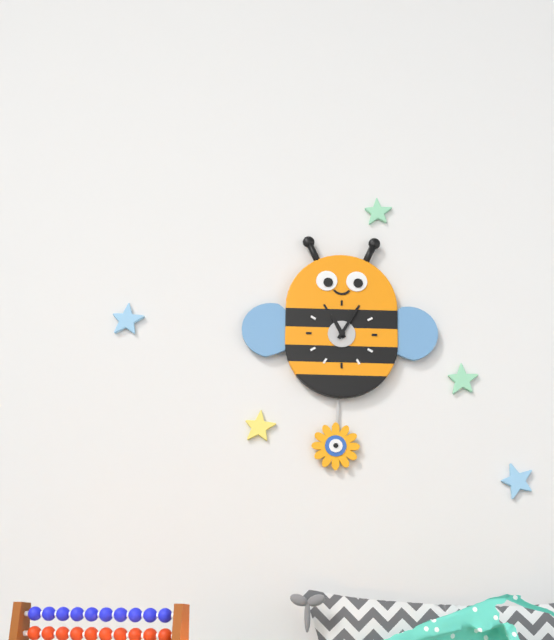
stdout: 11:05
